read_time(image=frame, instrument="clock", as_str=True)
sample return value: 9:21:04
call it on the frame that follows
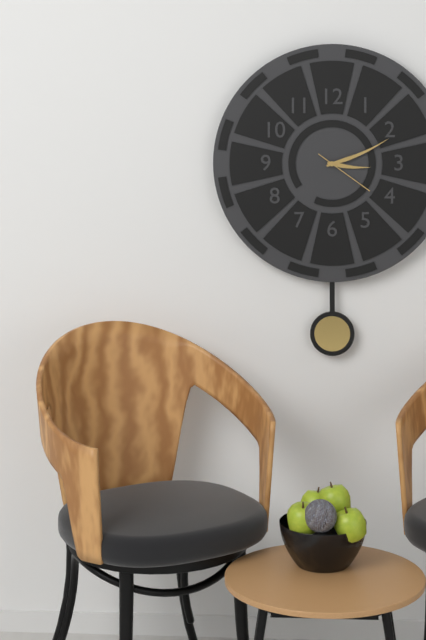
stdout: 3:11:21
